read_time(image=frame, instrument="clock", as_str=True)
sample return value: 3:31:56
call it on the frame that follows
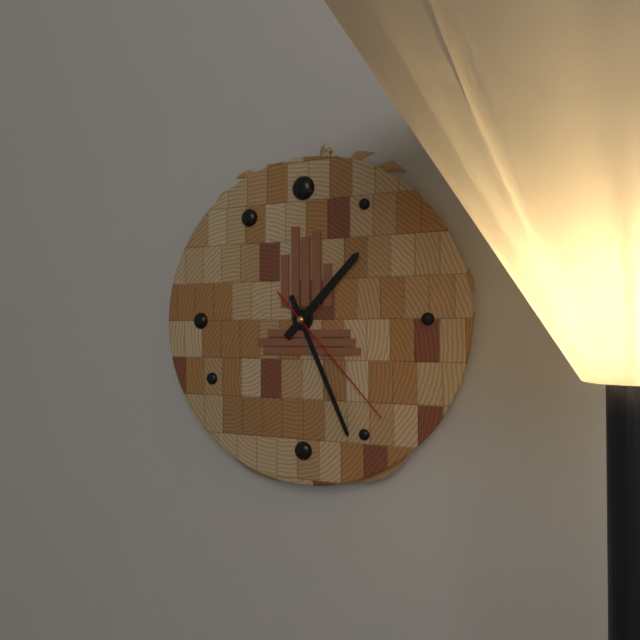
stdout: 1:26:23
